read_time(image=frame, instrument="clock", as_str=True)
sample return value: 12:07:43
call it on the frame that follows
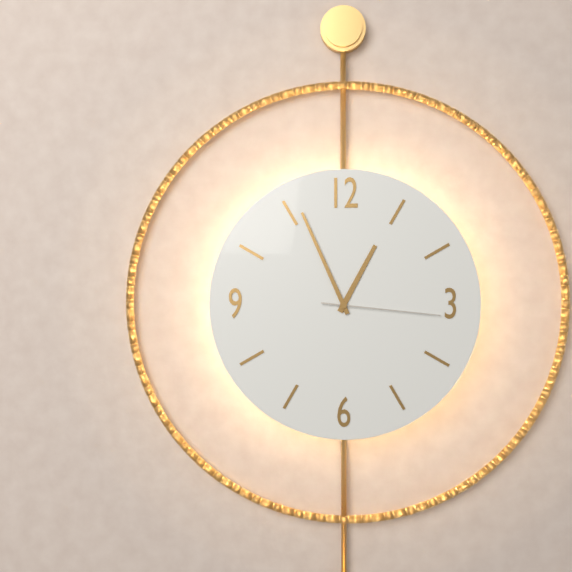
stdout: 12:56:16
